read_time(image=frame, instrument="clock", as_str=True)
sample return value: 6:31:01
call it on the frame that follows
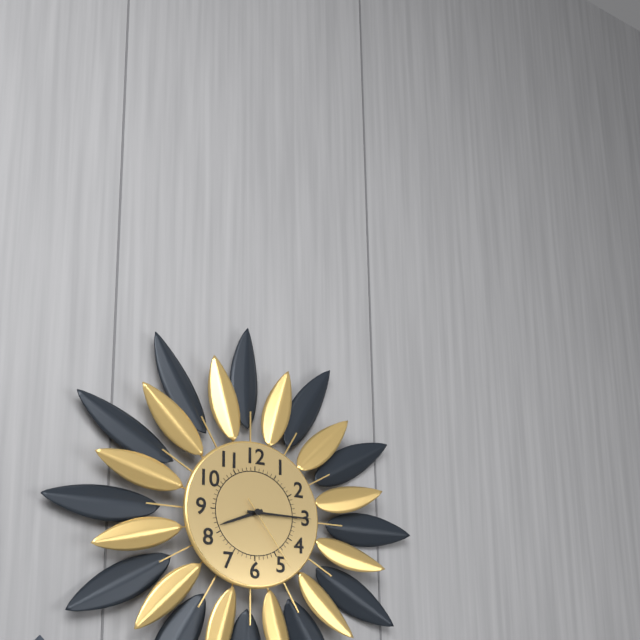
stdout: 8:15:24
